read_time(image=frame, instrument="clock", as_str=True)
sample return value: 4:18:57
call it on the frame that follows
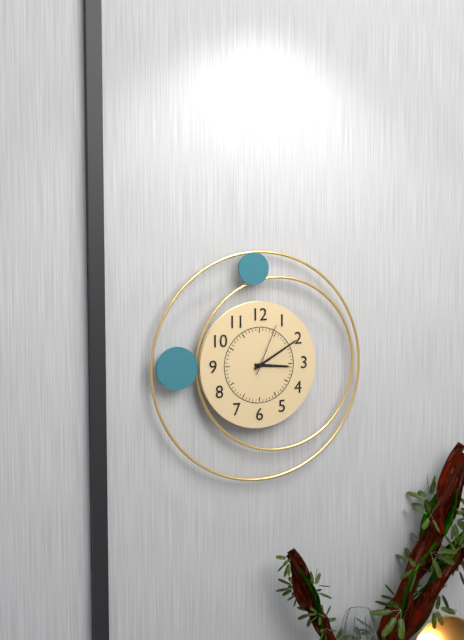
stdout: 3:10:04
